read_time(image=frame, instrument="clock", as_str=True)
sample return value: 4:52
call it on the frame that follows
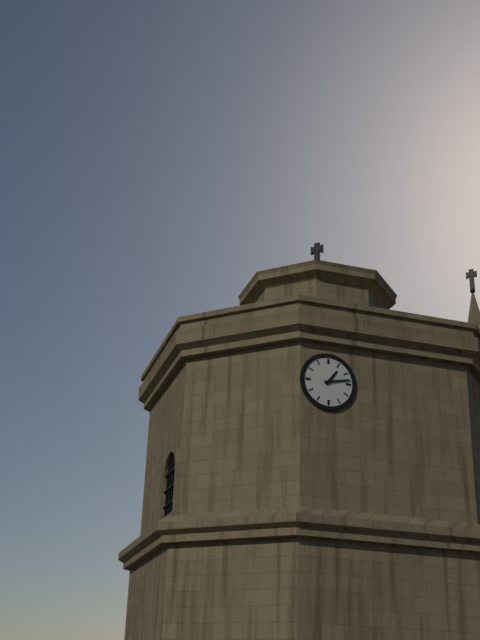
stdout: 1:13
